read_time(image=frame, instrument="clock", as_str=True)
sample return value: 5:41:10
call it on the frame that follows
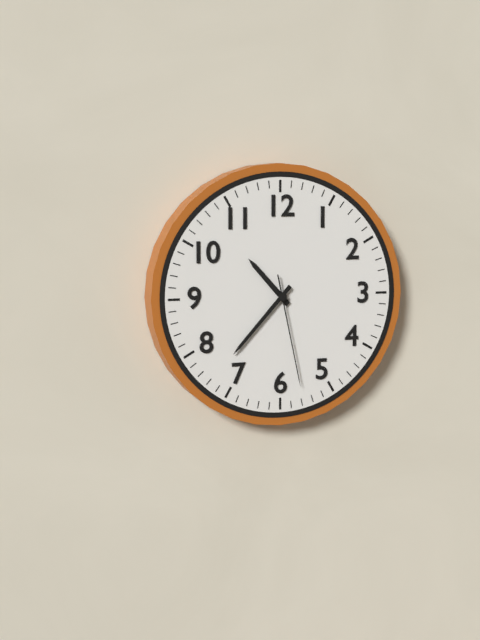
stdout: 10:37:28
